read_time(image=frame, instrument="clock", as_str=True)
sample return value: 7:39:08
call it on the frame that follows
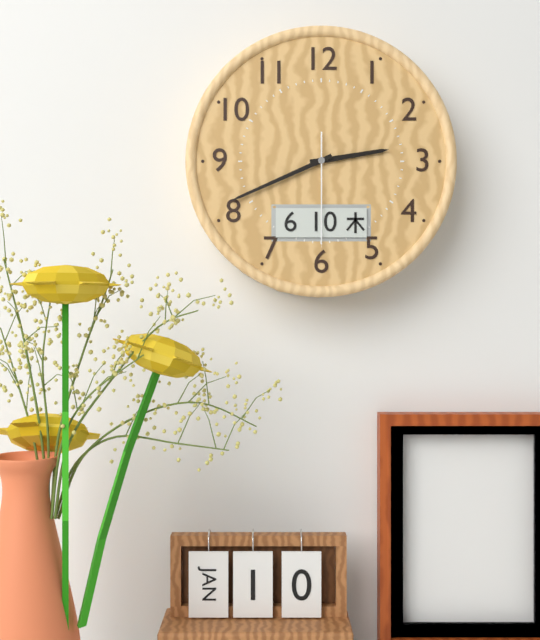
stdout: 2:41:30
